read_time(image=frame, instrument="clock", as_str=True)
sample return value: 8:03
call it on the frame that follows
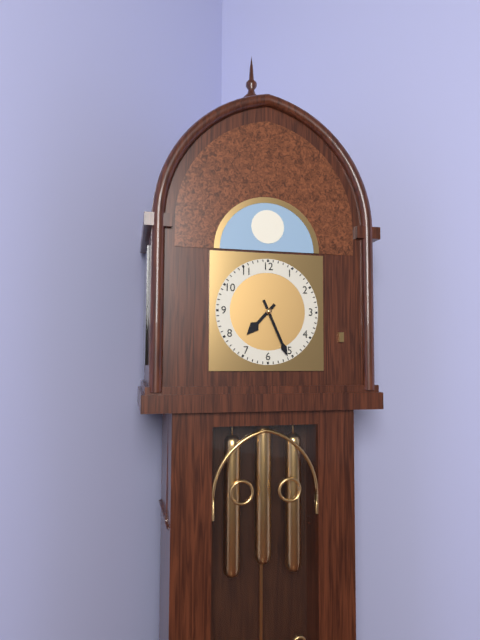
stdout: 7:26
